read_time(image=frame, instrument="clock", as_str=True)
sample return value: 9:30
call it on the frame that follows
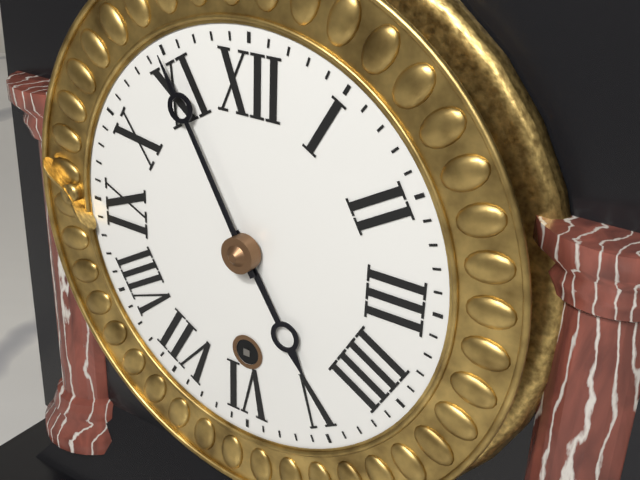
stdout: 4:55
